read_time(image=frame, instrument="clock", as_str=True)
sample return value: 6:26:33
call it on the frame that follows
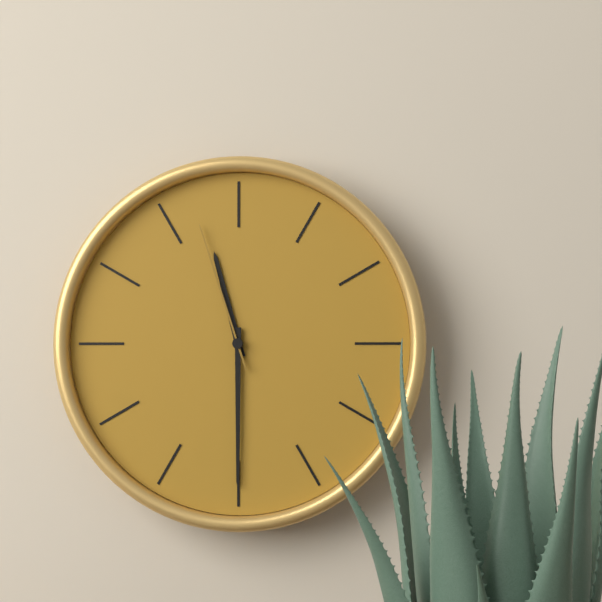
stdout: 11:30:57
